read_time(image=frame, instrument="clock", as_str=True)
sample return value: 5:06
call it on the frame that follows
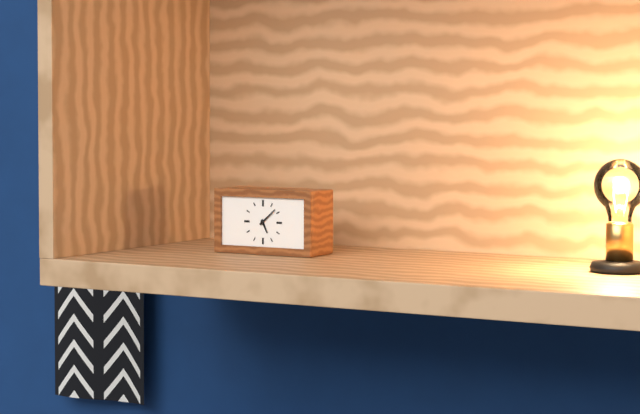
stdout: 5:08
